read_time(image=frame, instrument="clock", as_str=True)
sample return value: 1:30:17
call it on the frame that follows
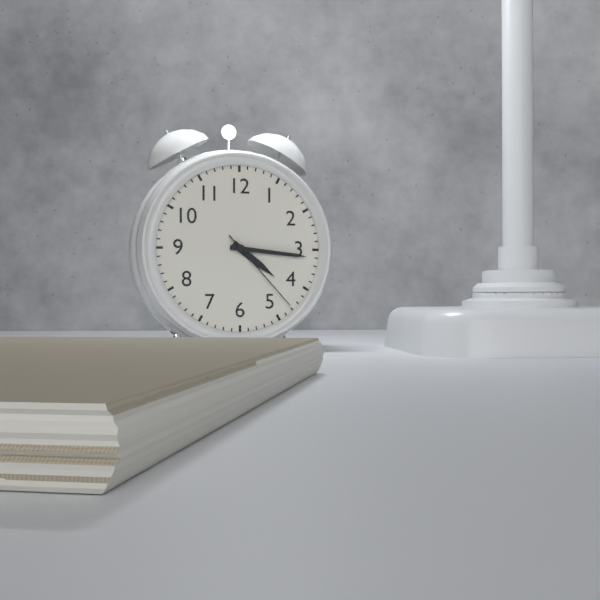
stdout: 4:16:23
